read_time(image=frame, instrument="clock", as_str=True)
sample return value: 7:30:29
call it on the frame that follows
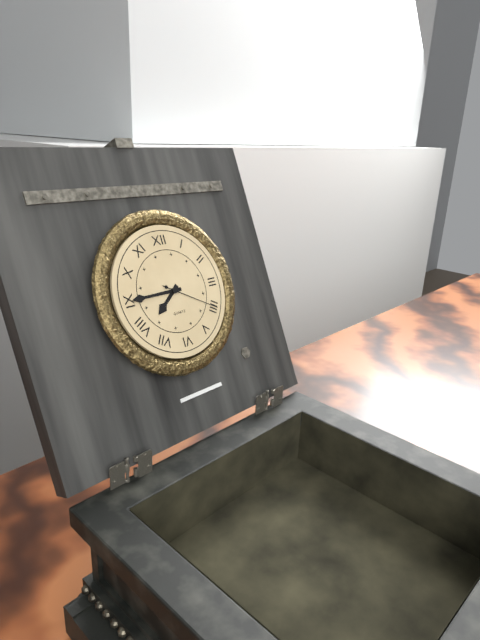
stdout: 7:45:20
